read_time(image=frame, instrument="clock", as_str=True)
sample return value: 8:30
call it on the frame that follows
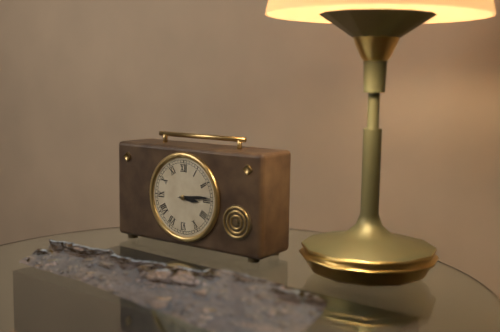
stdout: 3:14
